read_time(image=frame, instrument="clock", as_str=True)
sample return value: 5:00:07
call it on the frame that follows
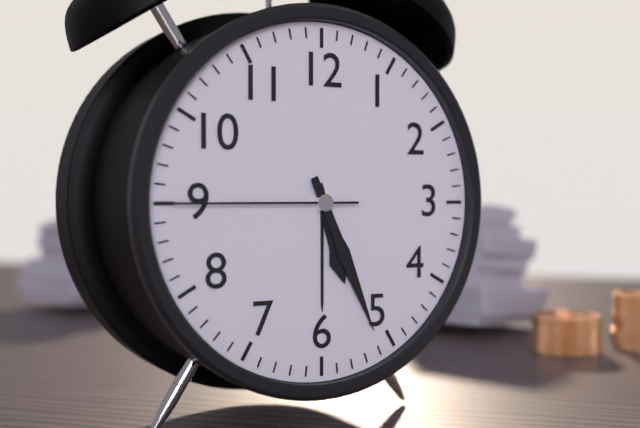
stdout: 5:26:45
